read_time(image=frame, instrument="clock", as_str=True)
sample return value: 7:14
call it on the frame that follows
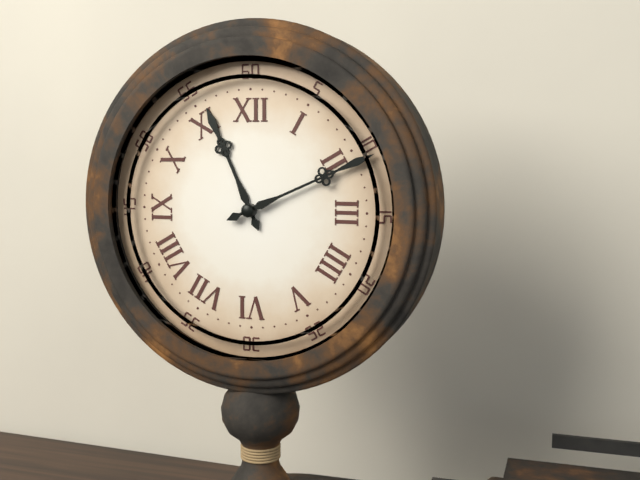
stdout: 11:11
